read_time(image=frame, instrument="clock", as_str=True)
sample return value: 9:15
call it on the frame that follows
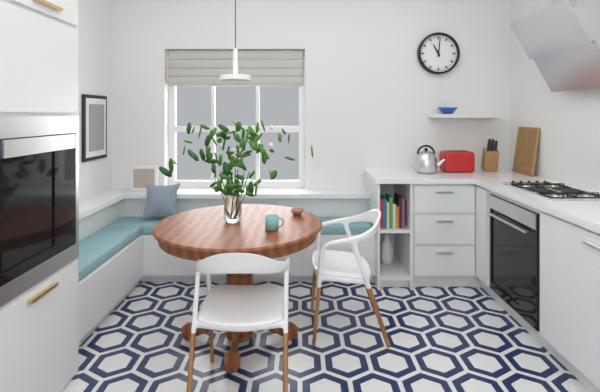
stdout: 11:01
